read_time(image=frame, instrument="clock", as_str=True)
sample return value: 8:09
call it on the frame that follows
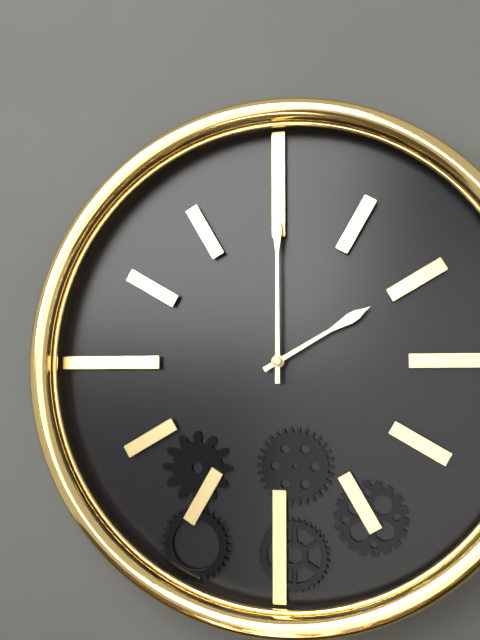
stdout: 2:00
